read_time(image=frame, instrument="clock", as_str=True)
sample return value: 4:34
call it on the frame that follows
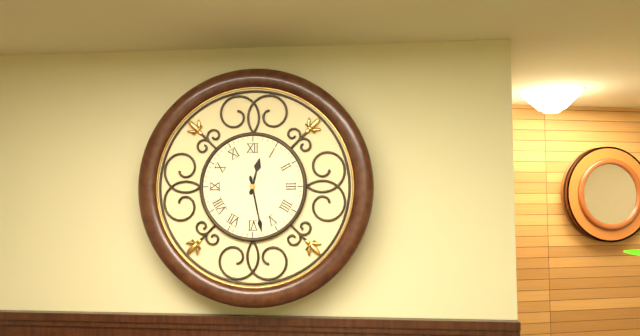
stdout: 12:28
